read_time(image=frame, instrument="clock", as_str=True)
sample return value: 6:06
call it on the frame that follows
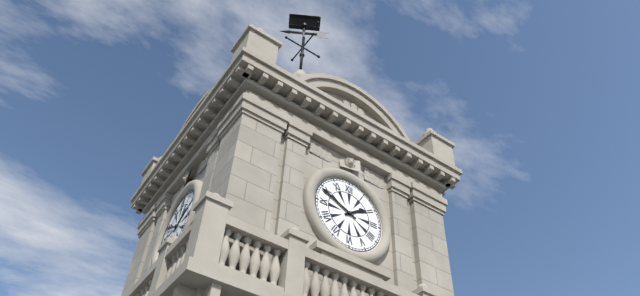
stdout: 1:49
